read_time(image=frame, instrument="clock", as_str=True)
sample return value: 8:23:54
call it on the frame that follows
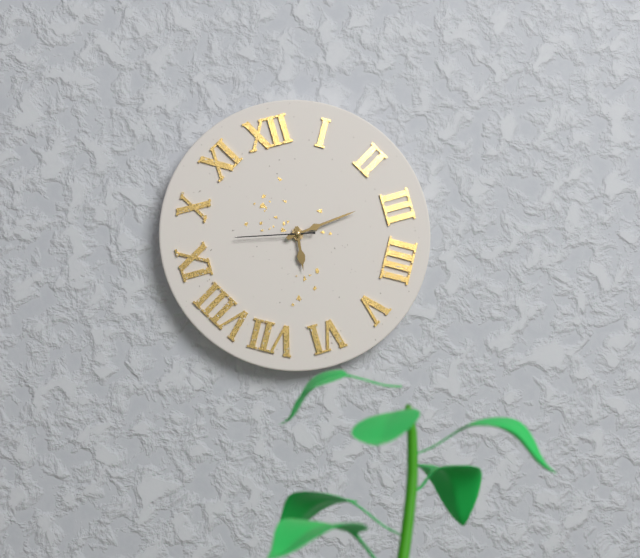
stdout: 6:14:47
